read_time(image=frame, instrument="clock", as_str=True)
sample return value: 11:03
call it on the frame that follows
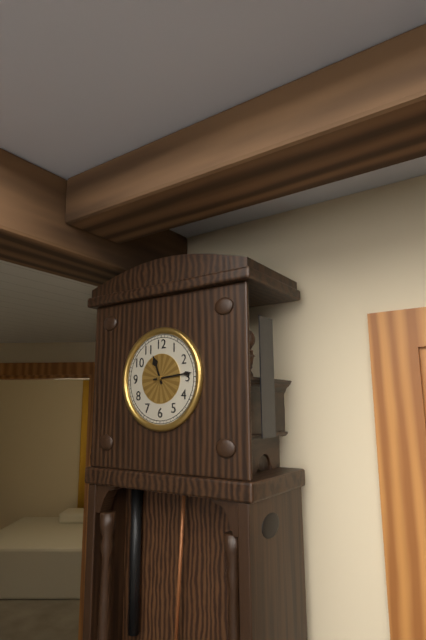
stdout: 11:14
